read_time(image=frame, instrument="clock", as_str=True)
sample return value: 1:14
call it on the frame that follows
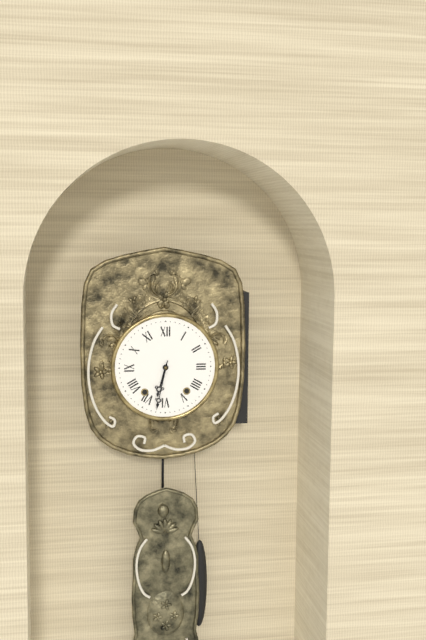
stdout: 6:32
